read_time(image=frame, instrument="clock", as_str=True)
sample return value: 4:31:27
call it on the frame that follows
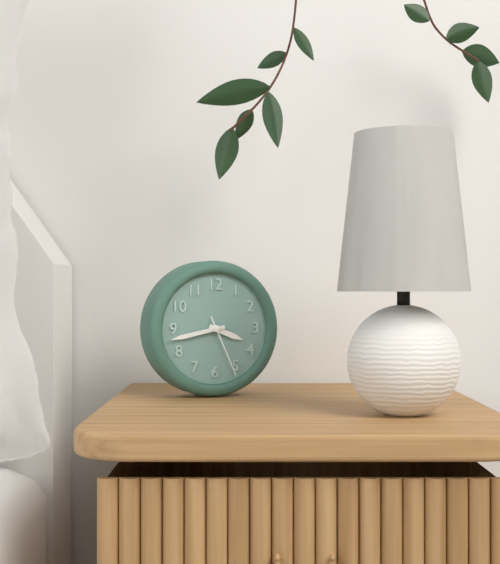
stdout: 3:43:26
